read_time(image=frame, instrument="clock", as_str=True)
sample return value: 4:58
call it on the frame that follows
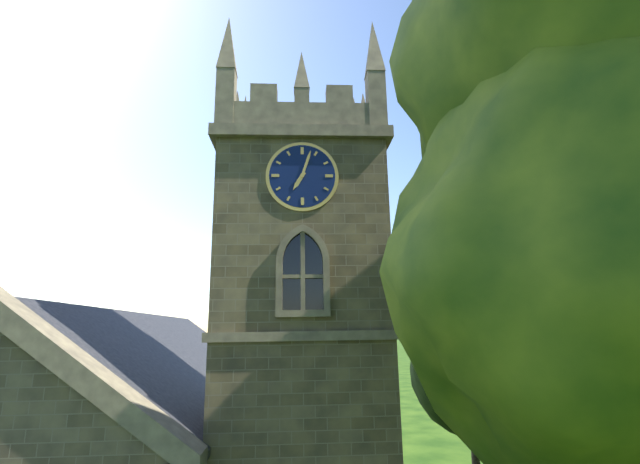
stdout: 7:03
